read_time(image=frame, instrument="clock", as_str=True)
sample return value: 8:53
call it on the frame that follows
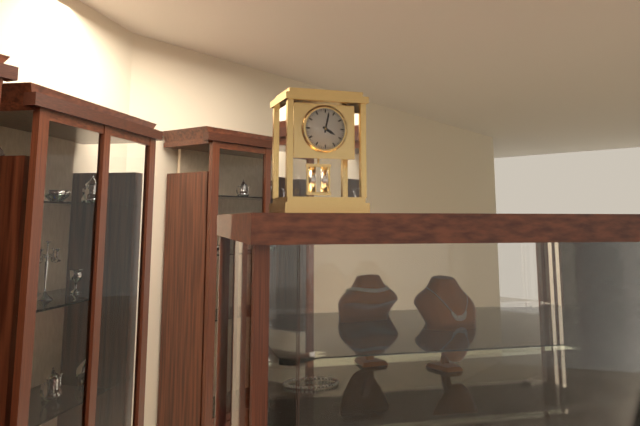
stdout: 4:02
